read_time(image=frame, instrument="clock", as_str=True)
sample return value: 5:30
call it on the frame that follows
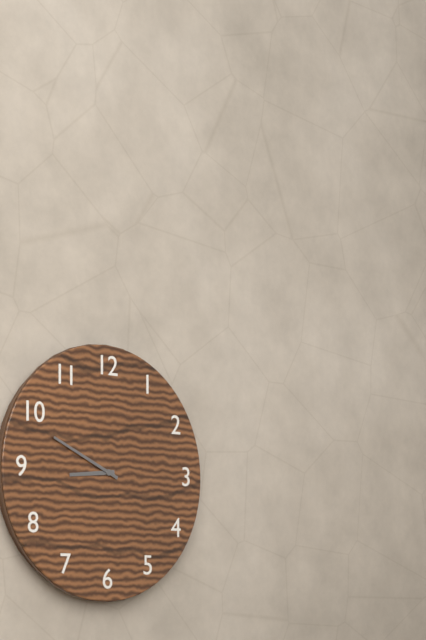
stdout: 8:49
